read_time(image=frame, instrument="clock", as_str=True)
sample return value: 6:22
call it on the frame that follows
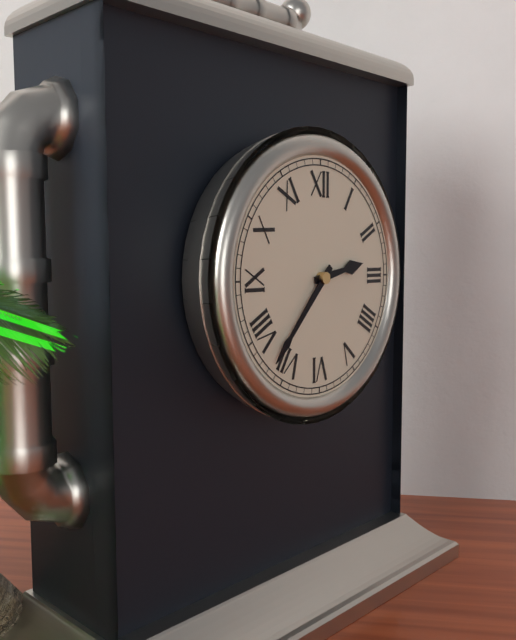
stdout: 2:37
